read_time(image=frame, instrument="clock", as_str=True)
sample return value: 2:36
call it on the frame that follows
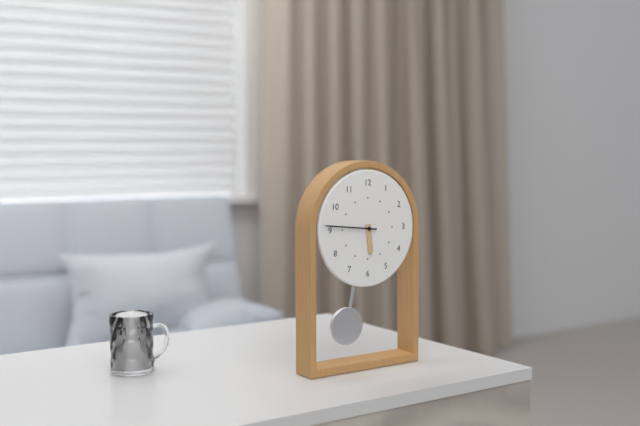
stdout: 5:46
